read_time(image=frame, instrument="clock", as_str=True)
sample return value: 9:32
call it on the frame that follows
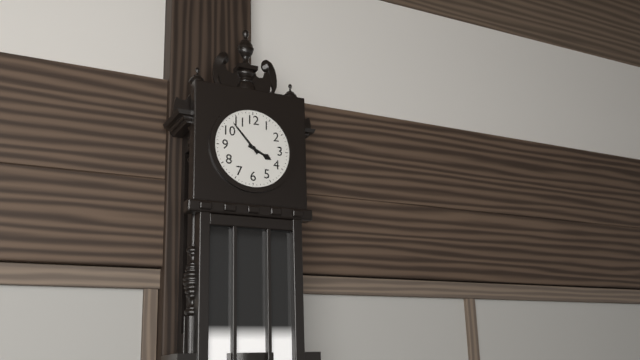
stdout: 3:53
